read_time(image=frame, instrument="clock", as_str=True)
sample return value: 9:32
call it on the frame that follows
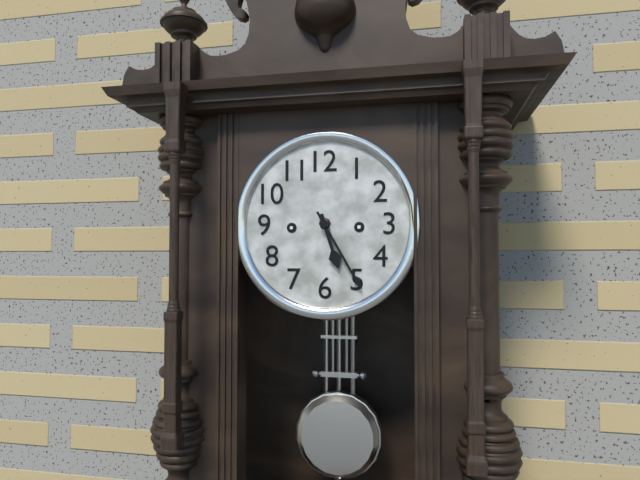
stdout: 5:25
